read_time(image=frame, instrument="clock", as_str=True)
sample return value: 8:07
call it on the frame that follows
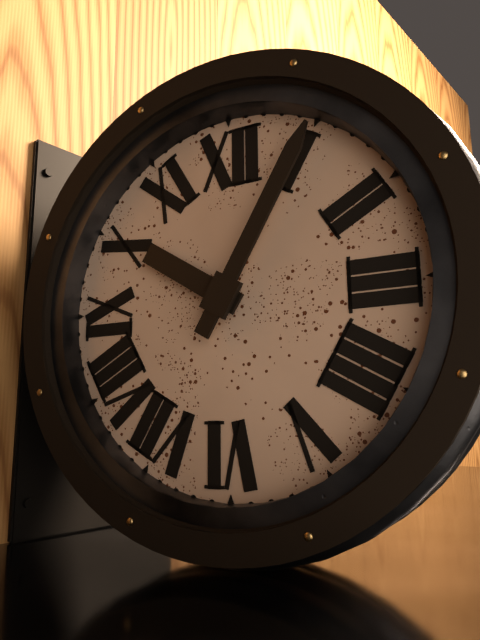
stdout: 10:05
